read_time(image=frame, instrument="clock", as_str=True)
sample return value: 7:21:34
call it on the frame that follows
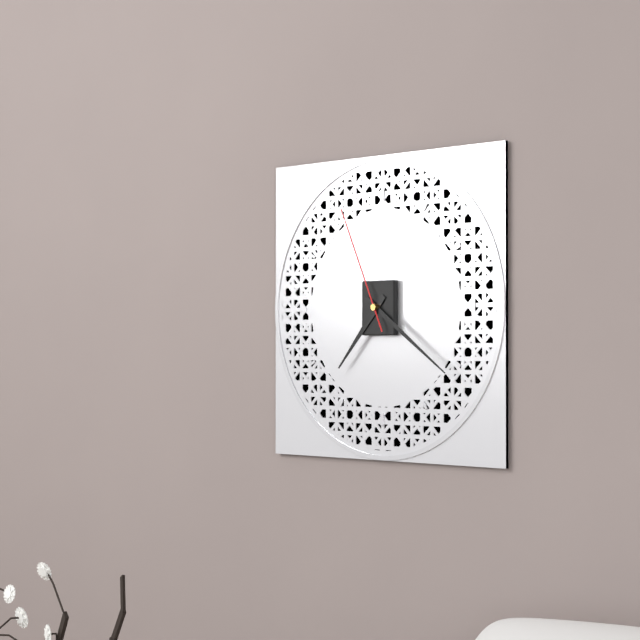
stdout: 7:21:56
